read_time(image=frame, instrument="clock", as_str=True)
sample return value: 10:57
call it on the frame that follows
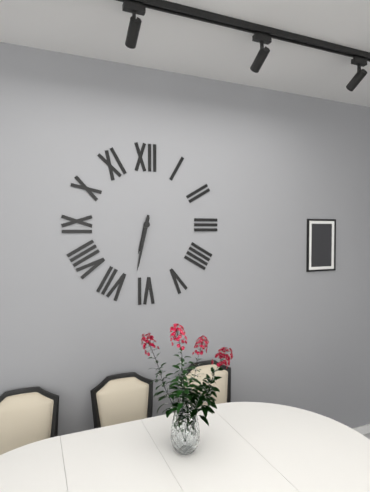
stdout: 6:32
